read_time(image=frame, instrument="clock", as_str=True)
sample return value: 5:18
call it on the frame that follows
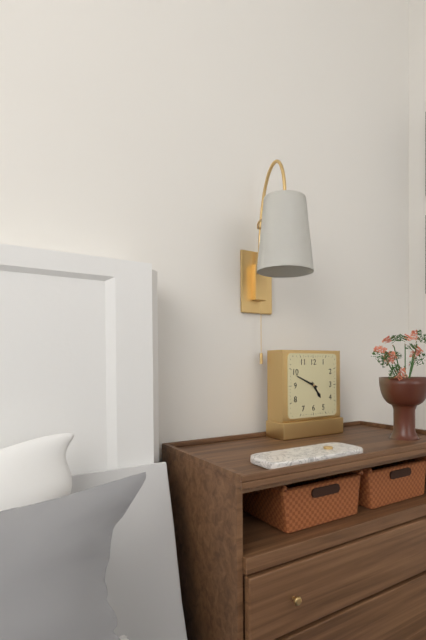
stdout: 4:49
